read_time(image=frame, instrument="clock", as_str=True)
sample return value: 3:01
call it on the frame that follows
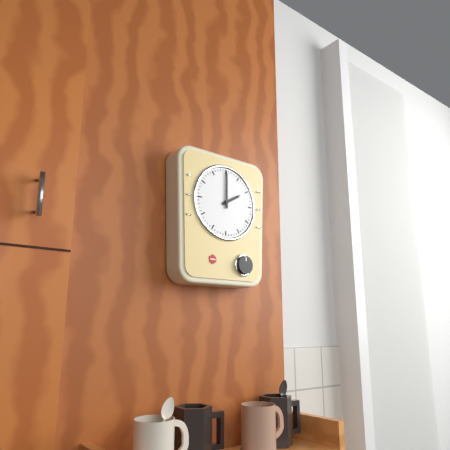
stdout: 2:00
